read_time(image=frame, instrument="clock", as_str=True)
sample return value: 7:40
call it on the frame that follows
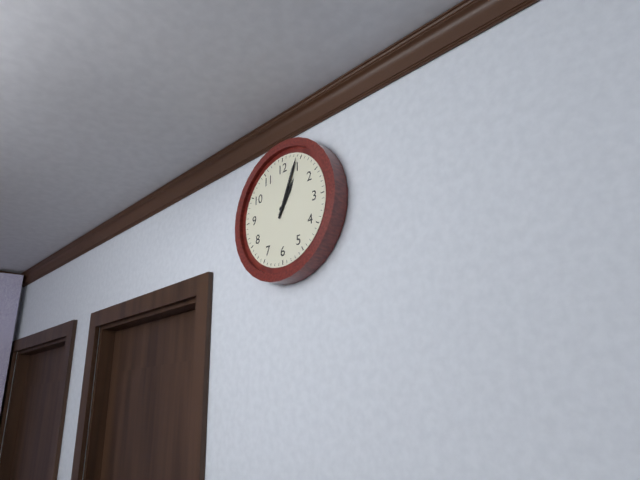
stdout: 1:04
